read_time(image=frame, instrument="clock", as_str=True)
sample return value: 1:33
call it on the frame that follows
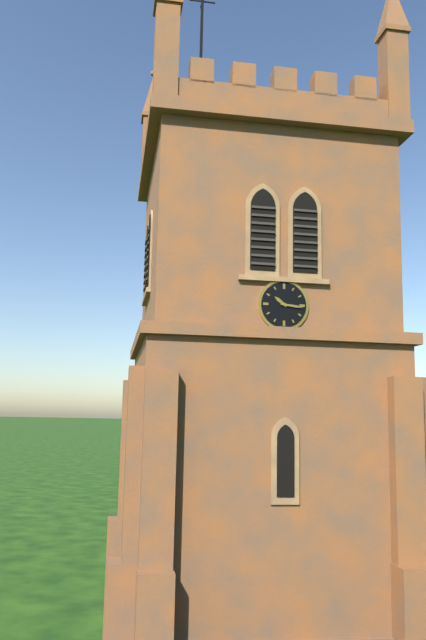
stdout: 10:16
